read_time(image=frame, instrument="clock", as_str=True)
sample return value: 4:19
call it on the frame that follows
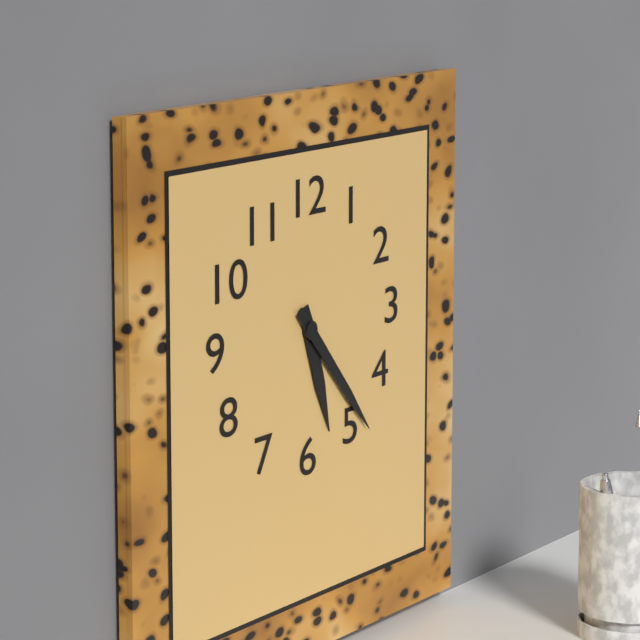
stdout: 5:23
